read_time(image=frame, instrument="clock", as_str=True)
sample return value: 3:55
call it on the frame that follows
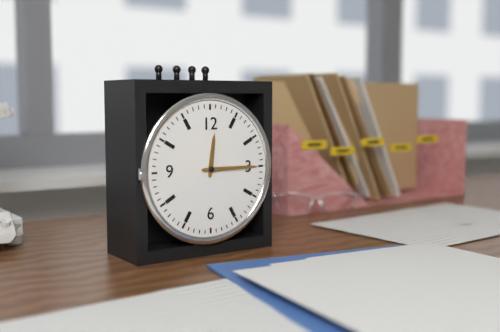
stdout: 12:15
